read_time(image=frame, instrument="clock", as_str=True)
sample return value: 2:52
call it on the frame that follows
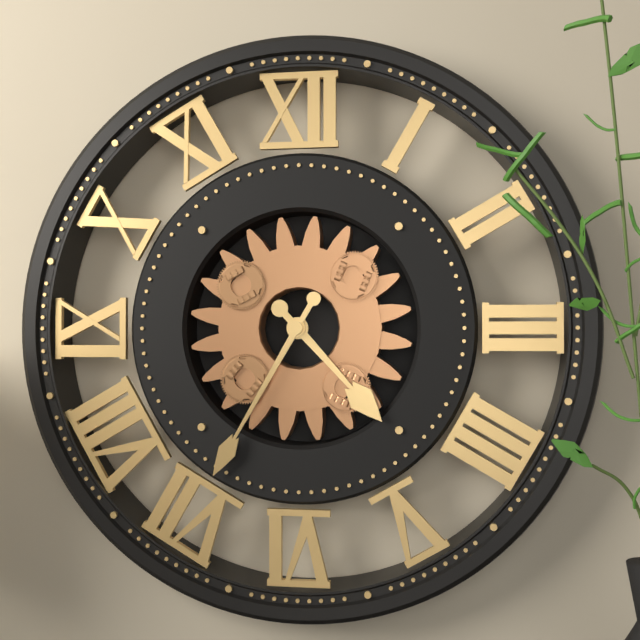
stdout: 4:35
